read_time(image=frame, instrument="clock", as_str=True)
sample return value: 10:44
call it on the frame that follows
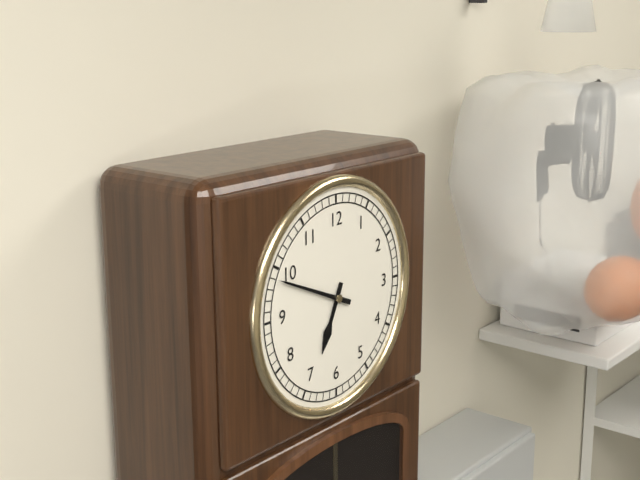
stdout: 6:49
